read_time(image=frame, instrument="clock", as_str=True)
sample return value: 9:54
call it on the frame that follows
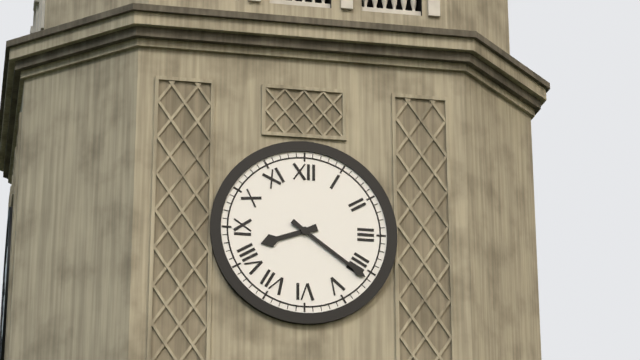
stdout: 8:21
